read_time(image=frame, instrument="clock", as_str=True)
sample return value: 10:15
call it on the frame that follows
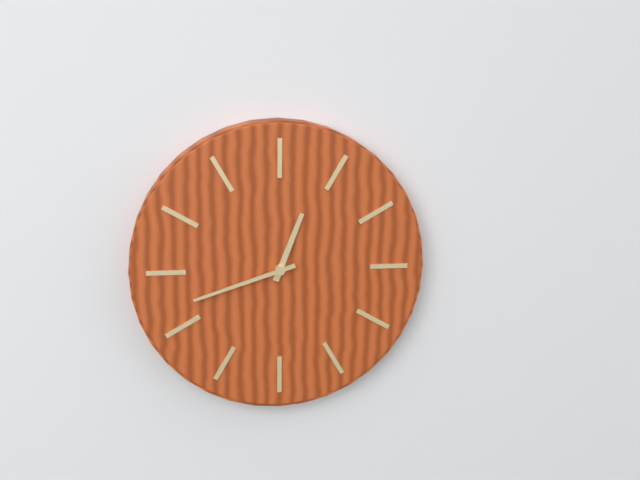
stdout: 12:42
